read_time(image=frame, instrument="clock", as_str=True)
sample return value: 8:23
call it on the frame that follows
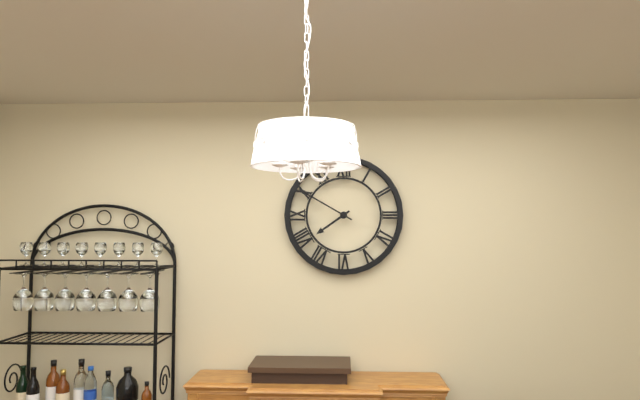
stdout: 7:50
